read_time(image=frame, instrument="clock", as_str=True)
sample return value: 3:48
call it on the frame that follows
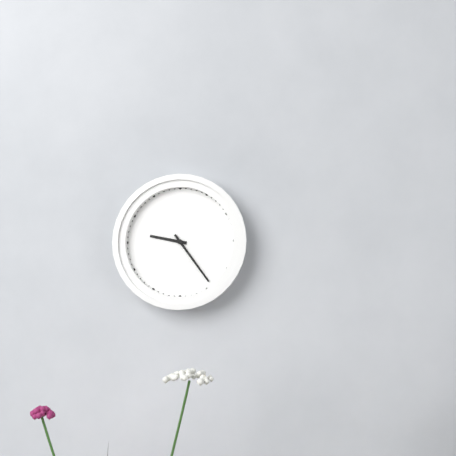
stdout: 9:24
